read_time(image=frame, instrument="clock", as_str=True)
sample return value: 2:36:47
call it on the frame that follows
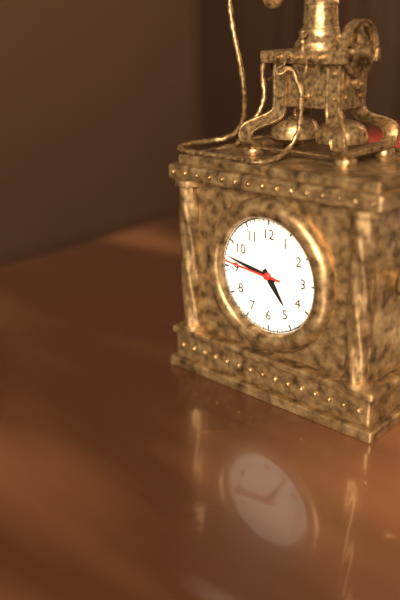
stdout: 4:47:46
